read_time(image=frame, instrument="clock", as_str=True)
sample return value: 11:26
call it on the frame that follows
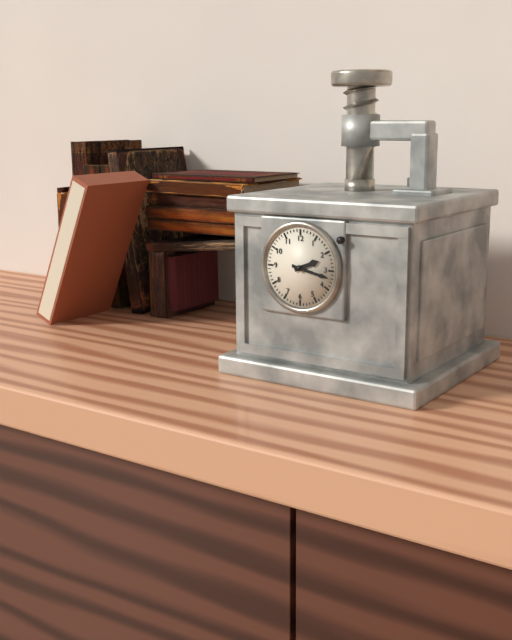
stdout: 2:17
